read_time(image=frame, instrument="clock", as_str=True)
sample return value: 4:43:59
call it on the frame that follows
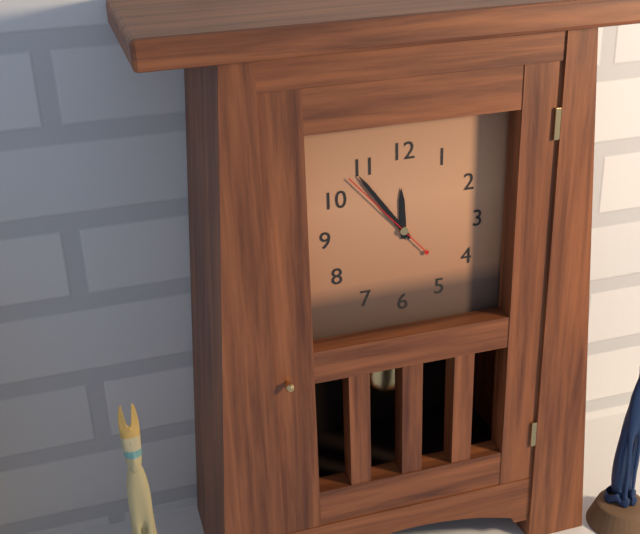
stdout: 11:54:53
